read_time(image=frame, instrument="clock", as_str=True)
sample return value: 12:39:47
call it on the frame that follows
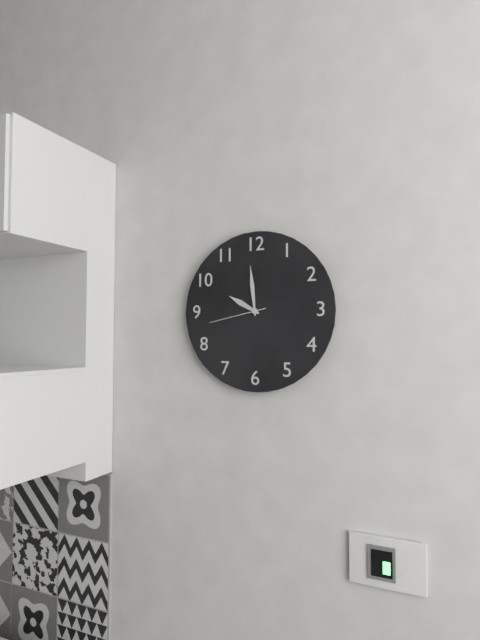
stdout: 9:59:43
